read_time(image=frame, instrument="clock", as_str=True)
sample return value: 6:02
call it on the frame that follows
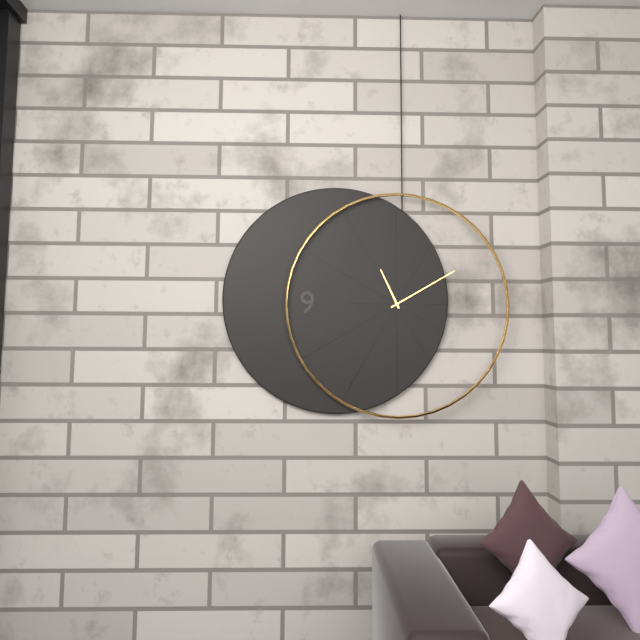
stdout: 11:10
